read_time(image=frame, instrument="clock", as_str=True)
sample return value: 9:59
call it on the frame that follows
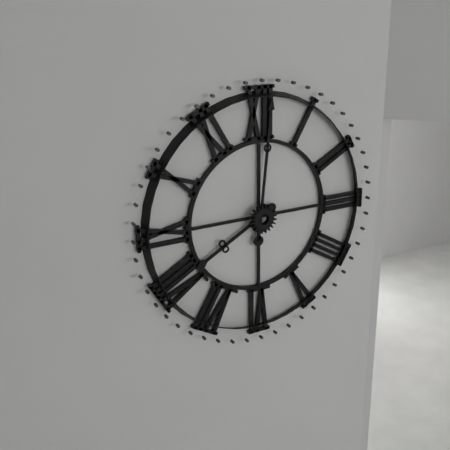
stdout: 8:01
